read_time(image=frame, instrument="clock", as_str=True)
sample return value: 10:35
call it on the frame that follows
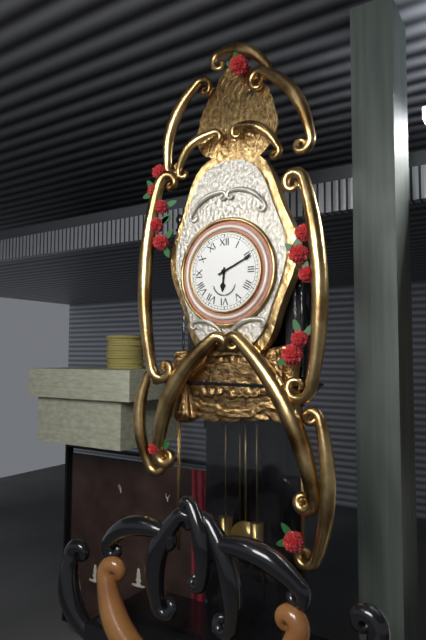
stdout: 6:11
